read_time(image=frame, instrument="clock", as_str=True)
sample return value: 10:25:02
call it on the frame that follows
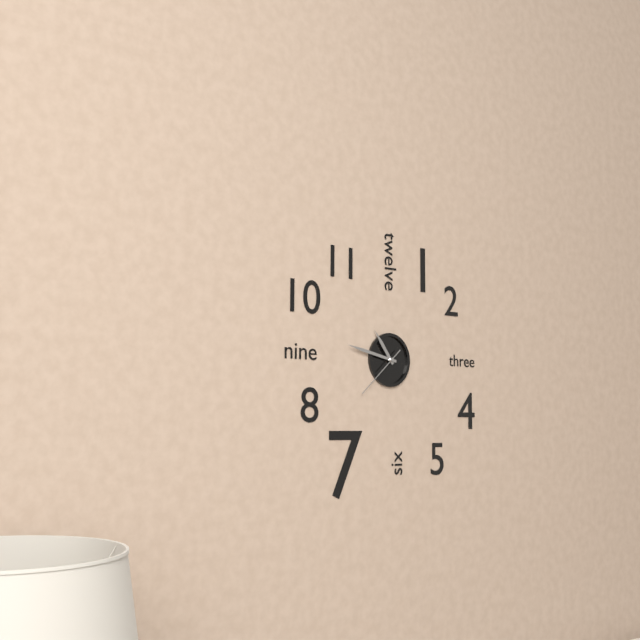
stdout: 10:47:38
